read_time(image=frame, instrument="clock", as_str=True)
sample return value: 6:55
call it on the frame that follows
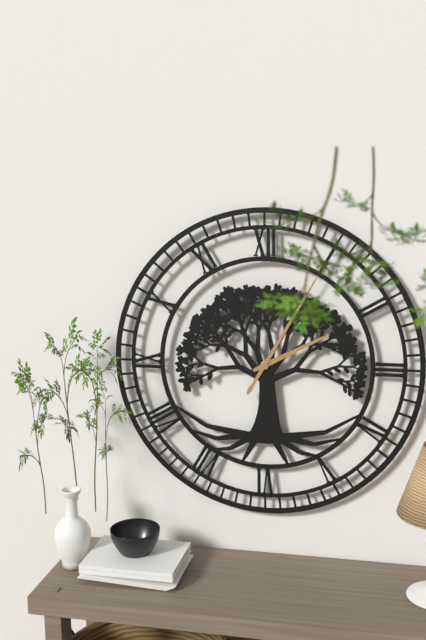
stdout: 2:05
